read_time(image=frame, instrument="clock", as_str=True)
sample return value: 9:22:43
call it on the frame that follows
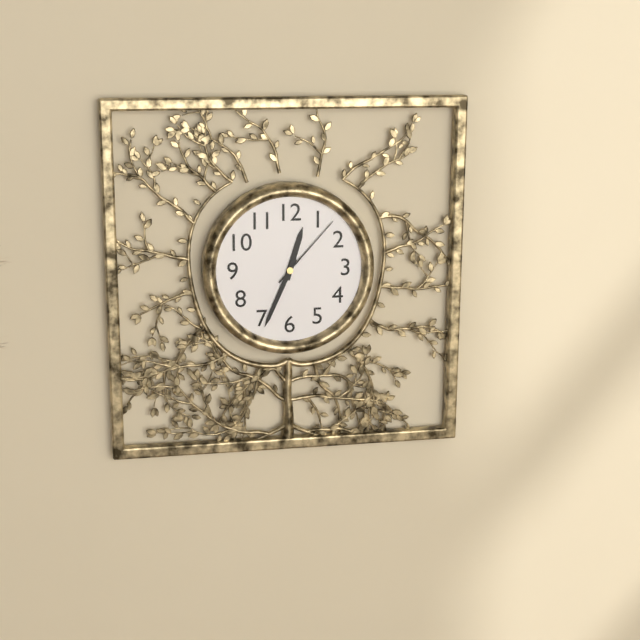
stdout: 12:34:07
